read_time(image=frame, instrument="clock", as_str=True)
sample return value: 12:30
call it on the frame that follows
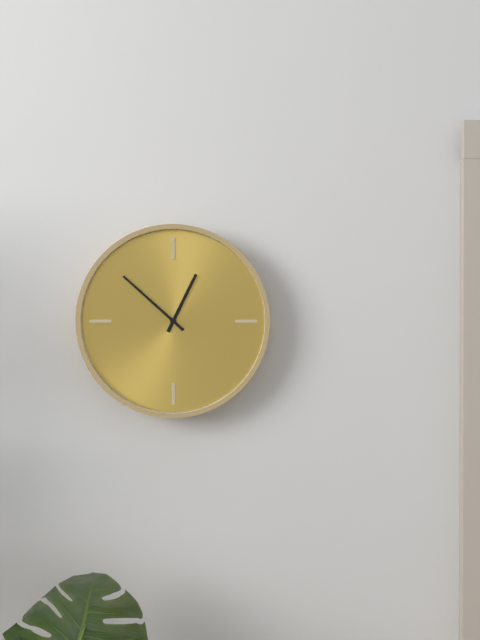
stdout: 12:52
